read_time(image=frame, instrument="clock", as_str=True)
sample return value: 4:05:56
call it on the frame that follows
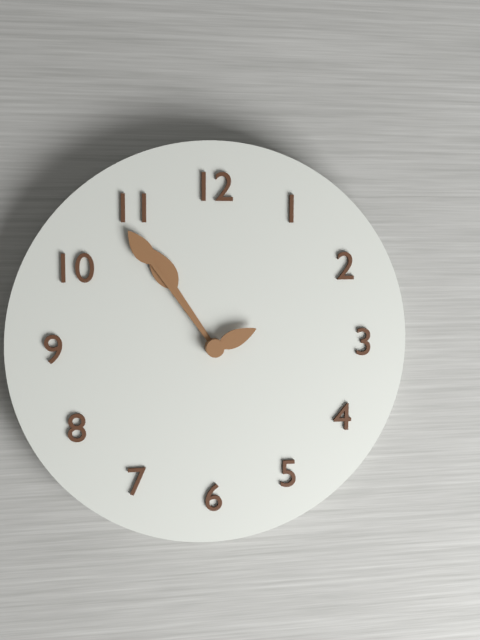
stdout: 10:54:11
